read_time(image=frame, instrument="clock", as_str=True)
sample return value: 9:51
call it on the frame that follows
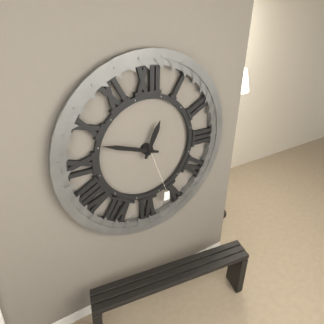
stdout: 12:48
